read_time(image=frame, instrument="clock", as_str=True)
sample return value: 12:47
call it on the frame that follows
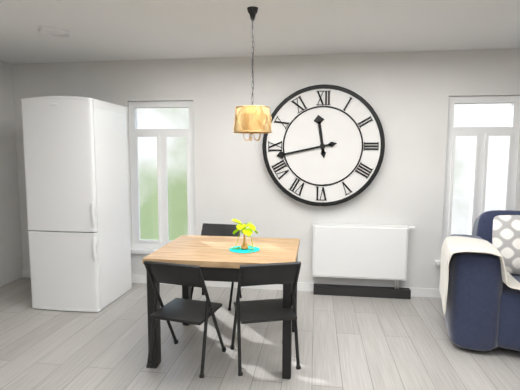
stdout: 11:43
